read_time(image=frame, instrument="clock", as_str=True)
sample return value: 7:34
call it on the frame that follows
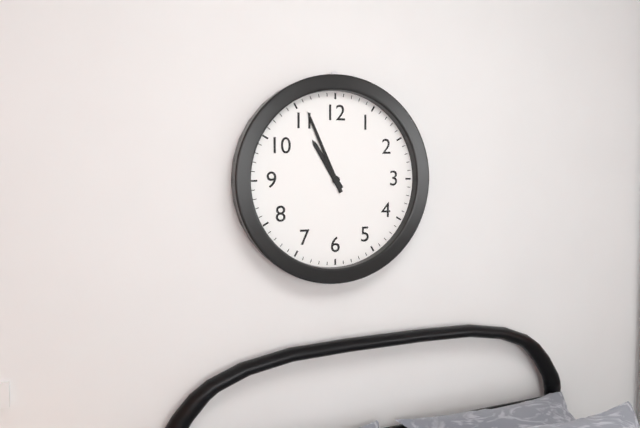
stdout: 10:56
